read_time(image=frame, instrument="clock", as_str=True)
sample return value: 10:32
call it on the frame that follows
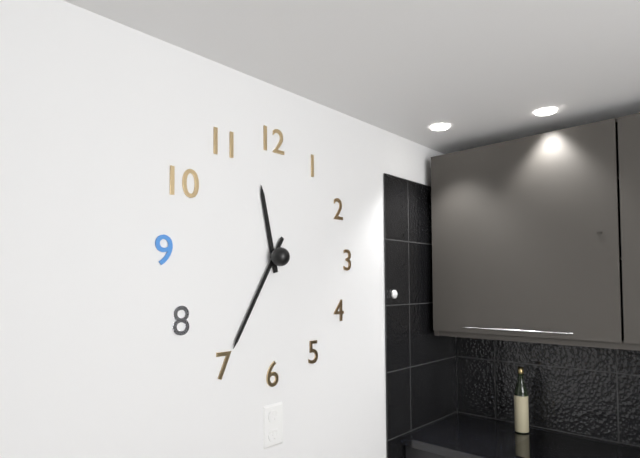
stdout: 11:35
